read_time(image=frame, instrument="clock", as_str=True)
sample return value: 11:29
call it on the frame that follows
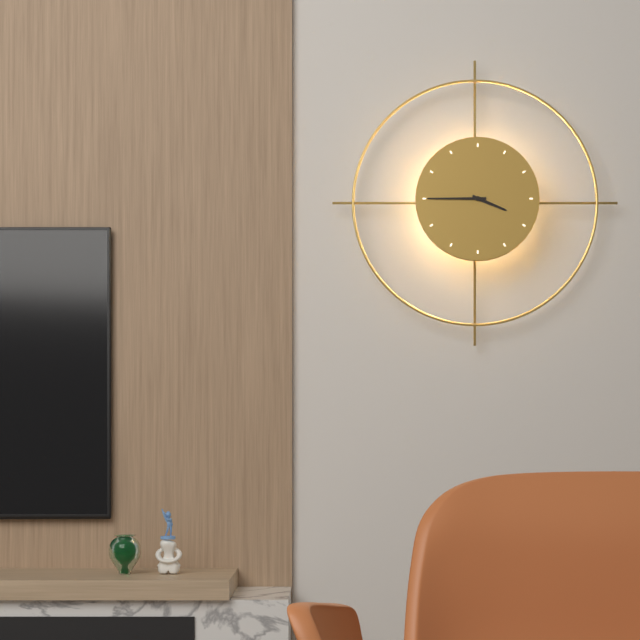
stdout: 3:45
